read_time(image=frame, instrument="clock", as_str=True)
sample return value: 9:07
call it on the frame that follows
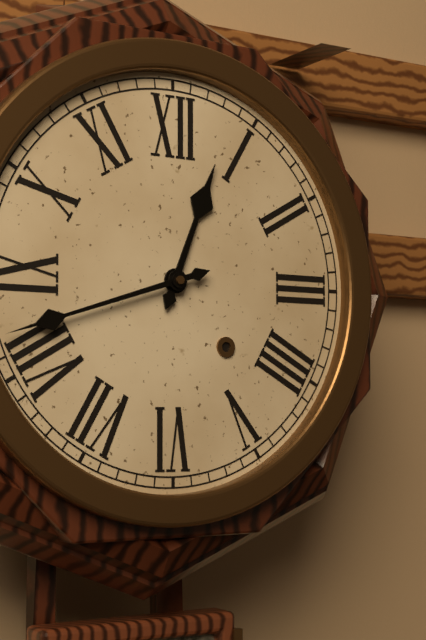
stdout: 12:42
